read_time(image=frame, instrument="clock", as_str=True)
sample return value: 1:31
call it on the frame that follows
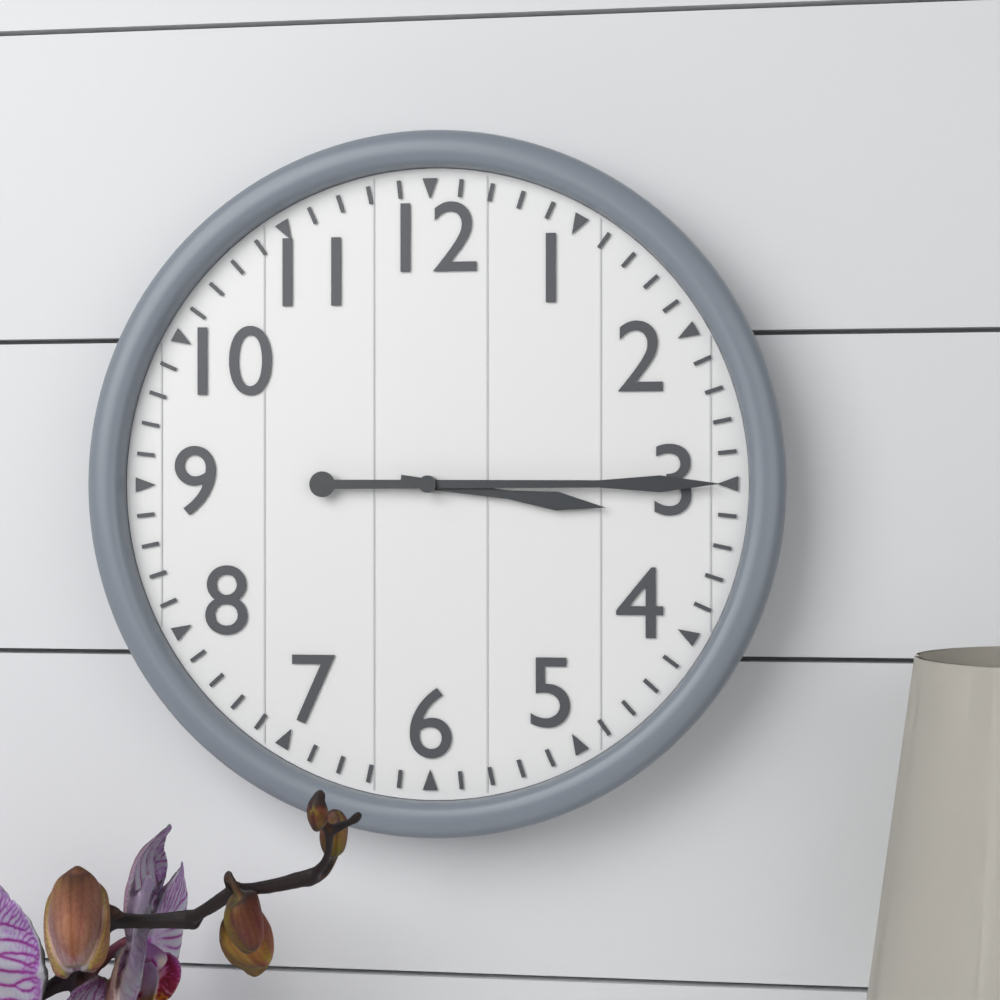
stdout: 3:15
